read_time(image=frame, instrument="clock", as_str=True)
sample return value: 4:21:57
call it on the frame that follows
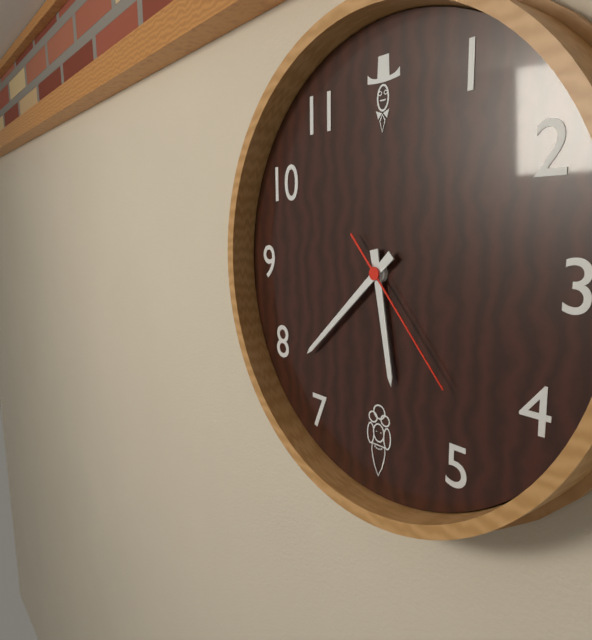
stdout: 5:38:23
